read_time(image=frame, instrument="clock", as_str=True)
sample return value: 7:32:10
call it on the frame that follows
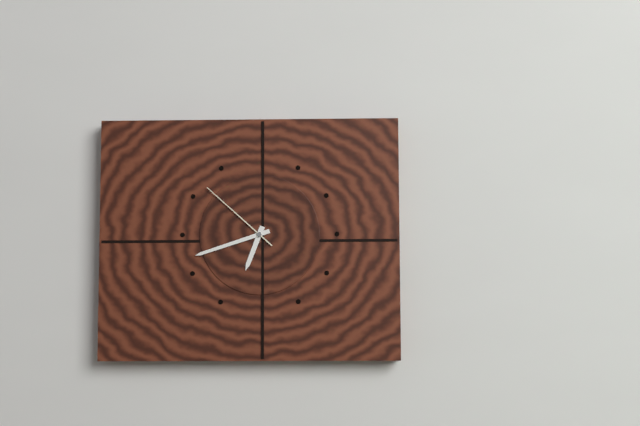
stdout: 6:42:52
